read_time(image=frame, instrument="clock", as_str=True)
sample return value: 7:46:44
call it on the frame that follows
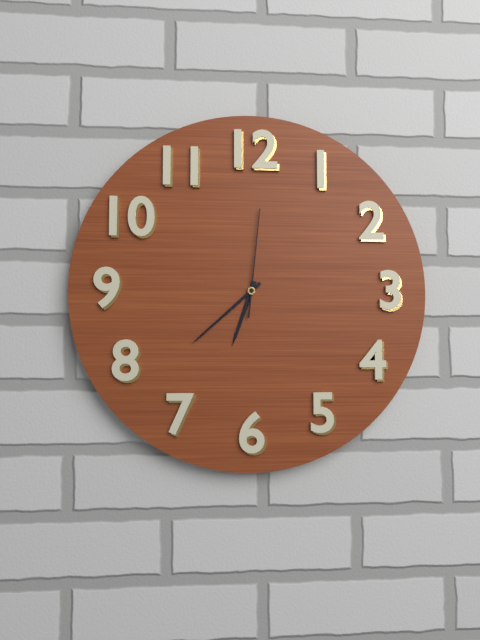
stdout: 6:38:01
